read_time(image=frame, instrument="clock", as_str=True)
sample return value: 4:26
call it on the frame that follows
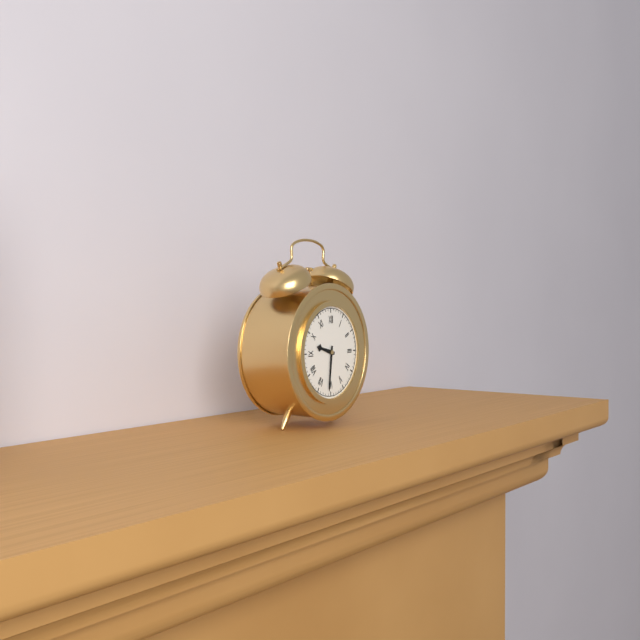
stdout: 9:31
